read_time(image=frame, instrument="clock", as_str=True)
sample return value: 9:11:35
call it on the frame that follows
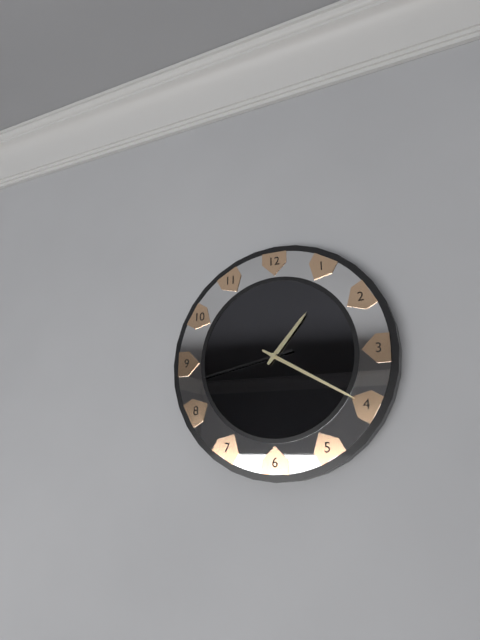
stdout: 1:20:43
